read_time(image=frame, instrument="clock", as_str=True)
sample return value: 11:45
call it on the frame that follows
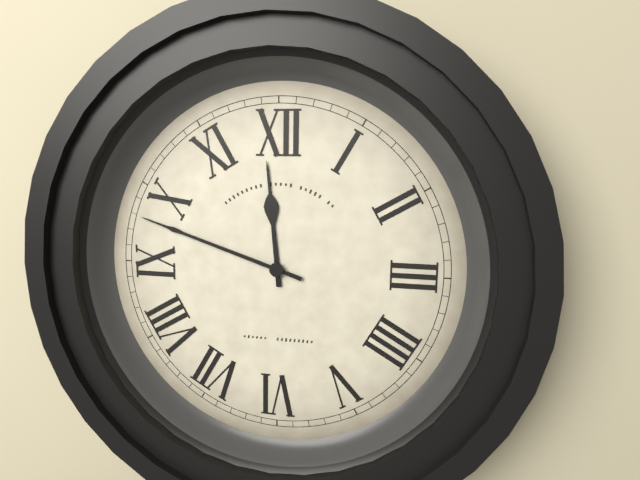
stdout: 11:48
